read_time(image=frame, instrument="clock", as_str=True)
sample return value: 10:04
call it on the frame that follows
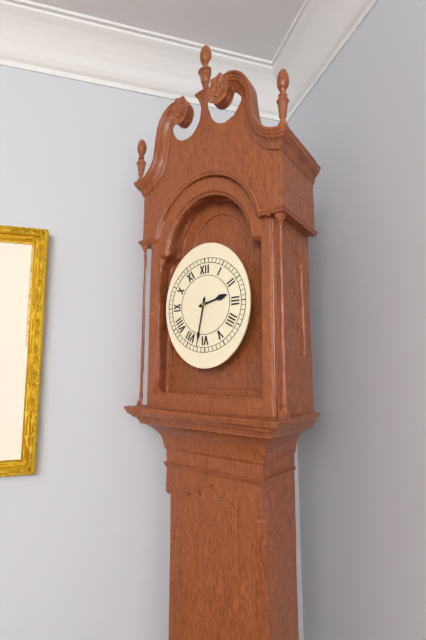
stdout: 2:32
